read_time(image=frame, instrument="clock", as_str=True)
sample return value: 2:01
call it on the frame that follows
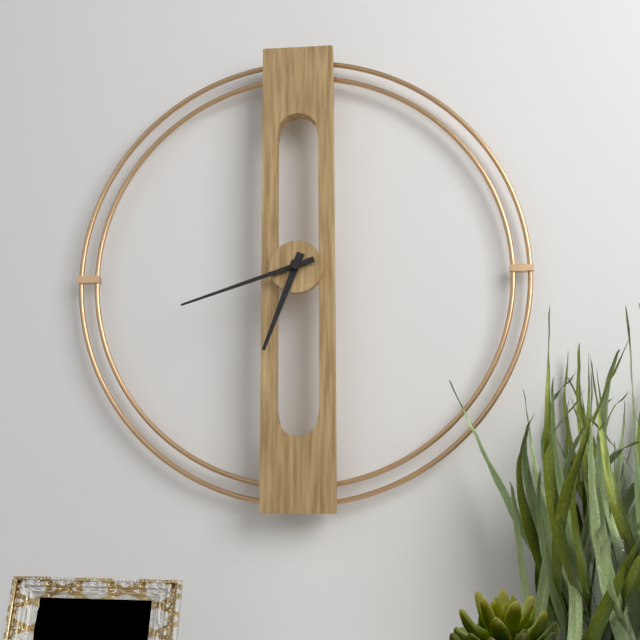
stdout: 6:42
